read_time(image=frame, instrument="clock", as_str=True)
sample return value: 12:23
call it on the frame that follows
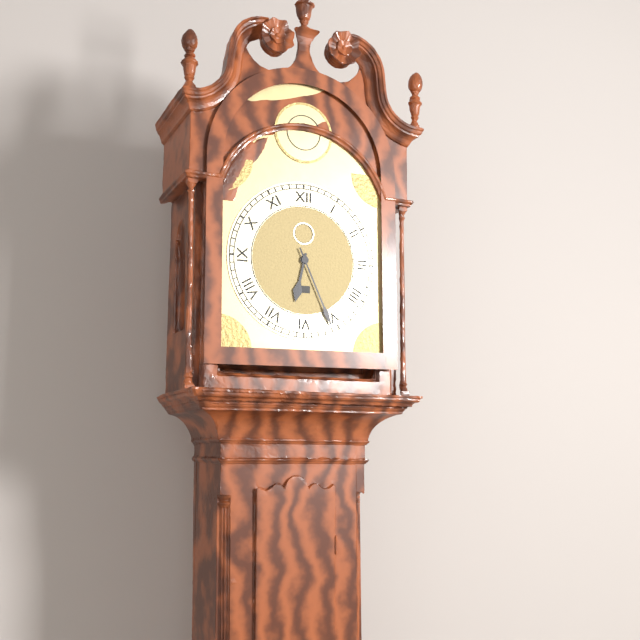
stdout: 6:26
